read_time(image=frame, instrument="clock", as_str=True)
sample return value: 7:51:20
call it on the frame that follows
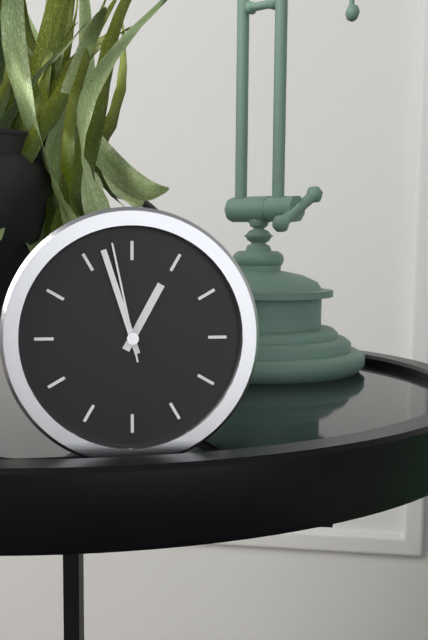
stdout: 12:57:58
